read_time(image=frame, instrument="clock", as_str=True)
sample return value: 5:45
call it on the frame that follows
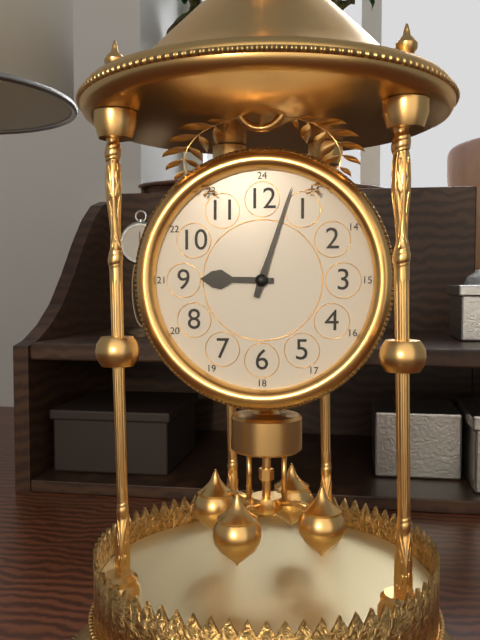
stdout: 9:03
